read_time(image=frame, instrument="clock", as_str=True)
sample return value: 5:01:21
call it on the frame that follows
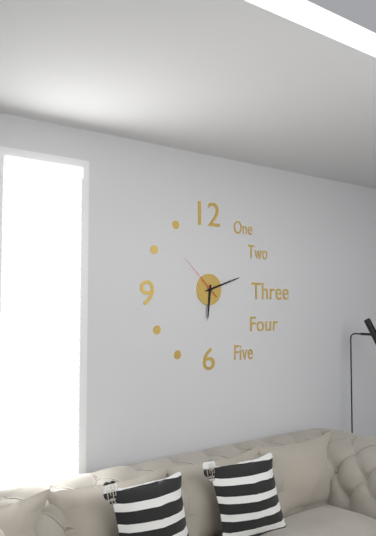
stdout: 6:12:52
